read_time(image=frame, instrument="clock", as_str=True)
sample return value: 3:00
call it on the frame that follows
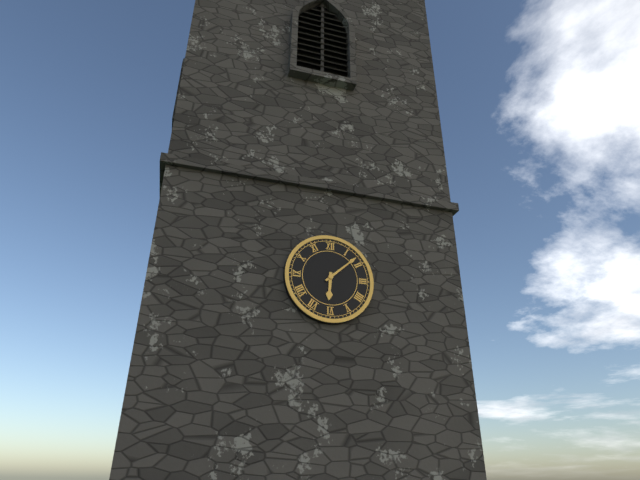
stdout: 6:08
